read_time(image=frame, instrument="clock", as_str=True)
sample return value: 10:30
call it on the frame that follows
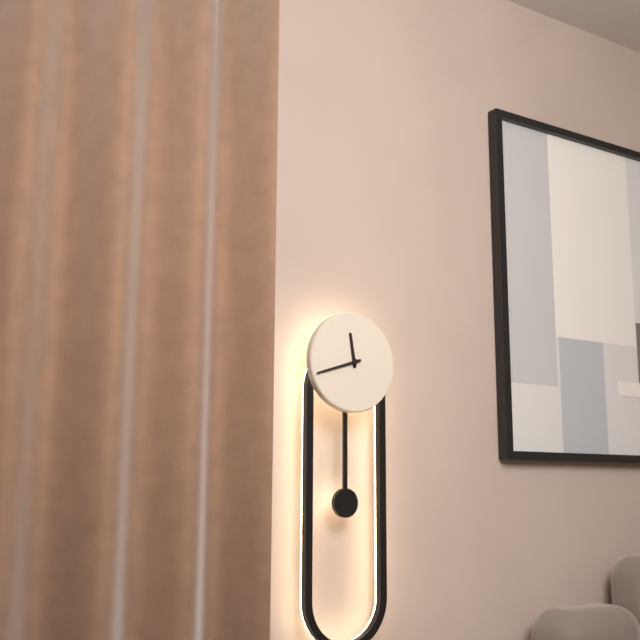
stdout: 11:42
